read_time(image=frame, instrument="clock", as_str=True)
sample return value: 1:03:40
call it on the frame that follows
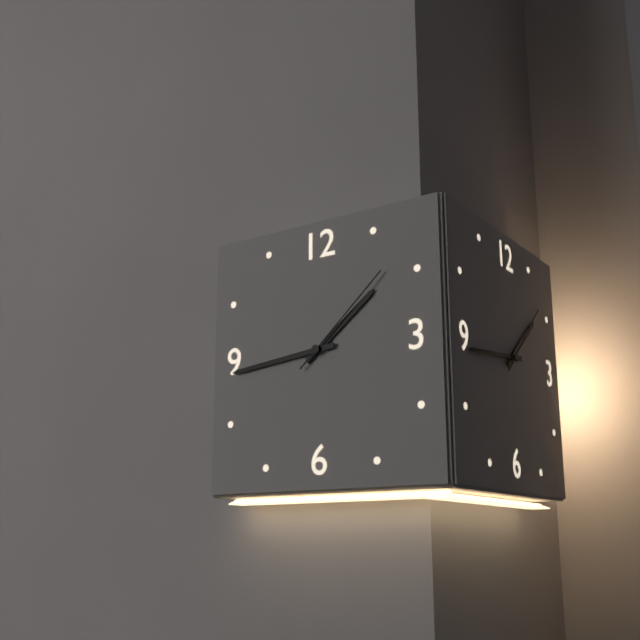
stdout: 1:44:08
